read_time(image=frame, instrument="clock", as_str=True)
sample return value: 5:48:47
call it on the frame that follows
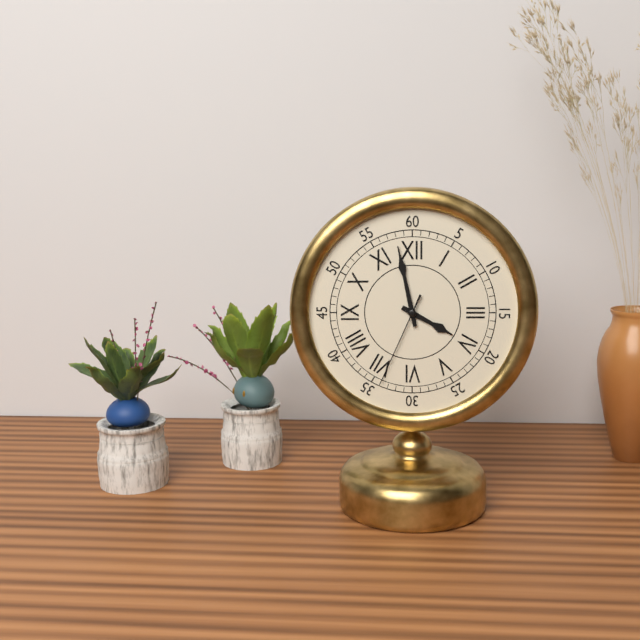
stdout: 3:58:34
